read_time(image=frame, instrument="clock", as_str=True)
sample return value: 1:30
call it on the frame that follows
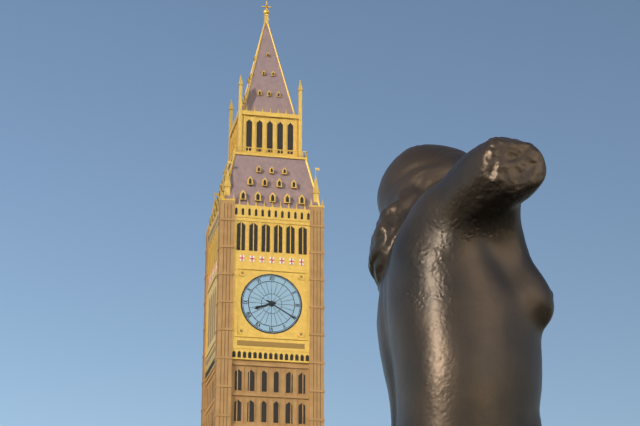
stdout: 8:20
